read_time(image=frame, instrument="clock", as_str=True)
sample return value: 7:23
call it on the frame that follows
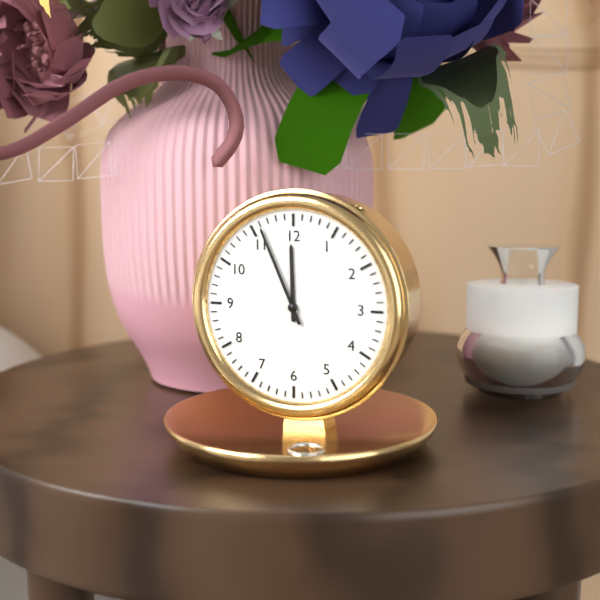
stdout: 11:56
